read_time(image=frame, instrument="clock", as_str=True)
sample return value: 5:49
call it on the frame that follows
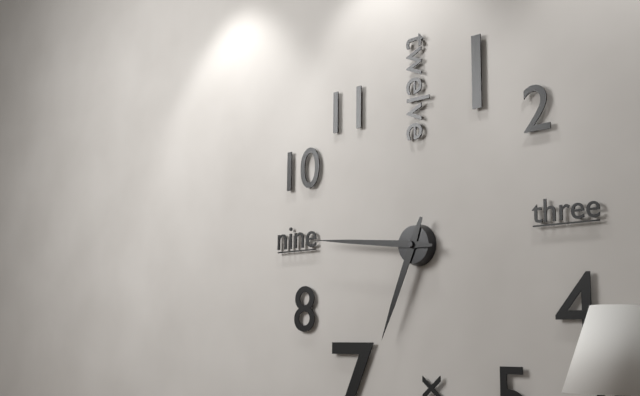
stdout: 6:46
